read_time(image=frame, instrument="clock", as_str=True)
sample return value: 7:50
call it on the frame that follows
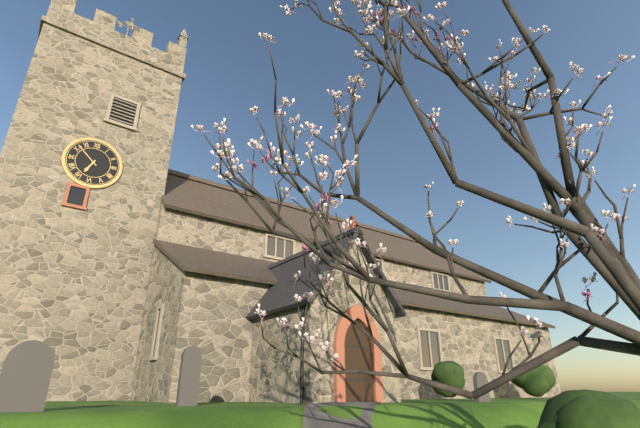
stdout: 6:52
